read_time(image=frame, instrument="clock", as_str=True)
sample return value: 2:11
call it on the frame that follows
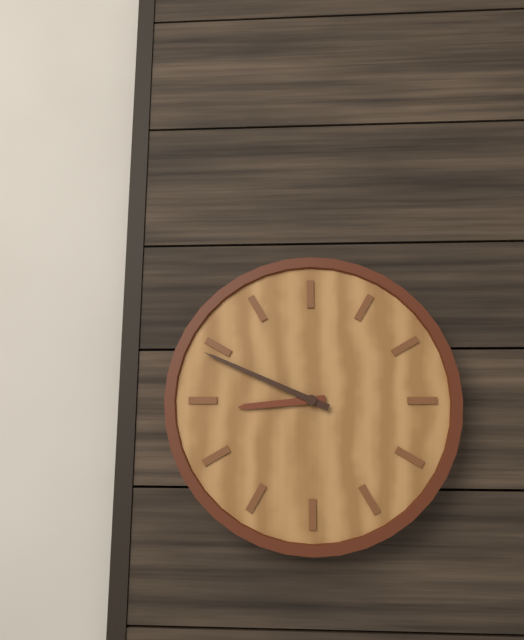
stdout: 8:49
